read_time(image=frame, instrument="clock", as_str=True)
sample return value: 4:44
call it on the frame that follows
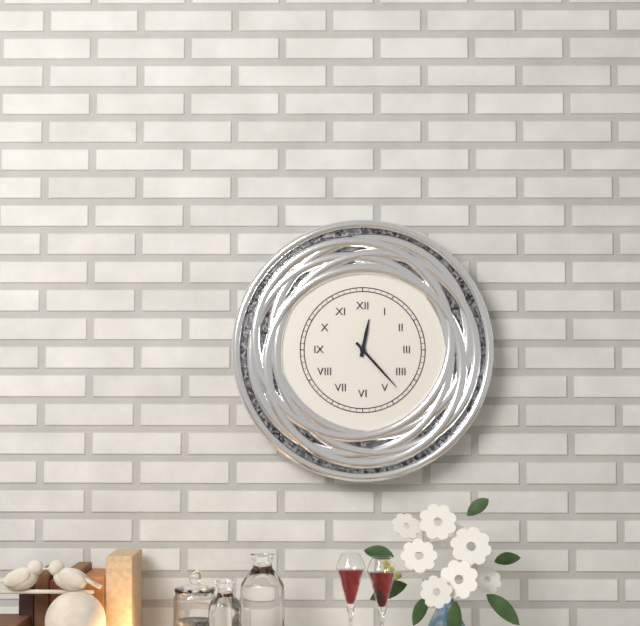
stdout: 12:23
